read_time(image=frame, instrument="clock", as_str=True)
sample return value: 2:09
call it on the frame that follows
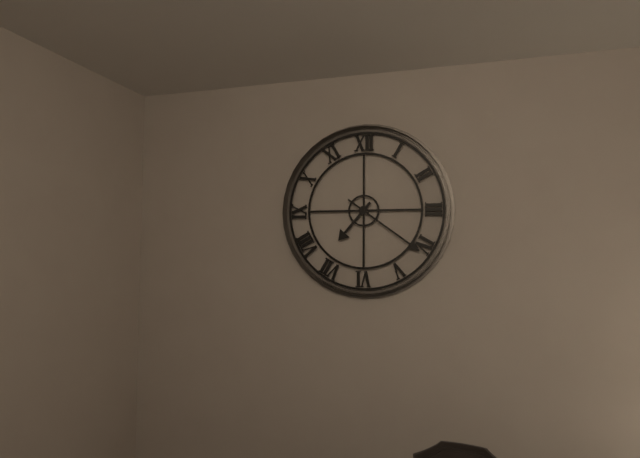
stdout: 7:21
